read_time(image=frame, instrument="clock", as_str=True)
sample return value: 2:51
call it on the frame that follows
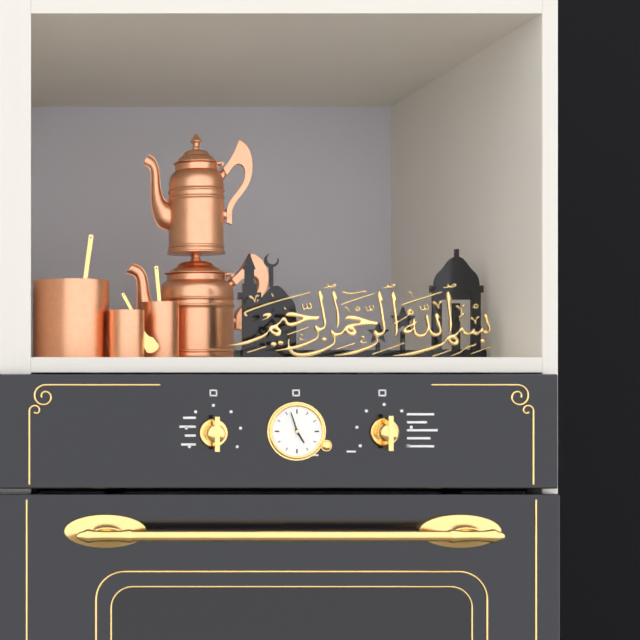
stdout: 4:57
